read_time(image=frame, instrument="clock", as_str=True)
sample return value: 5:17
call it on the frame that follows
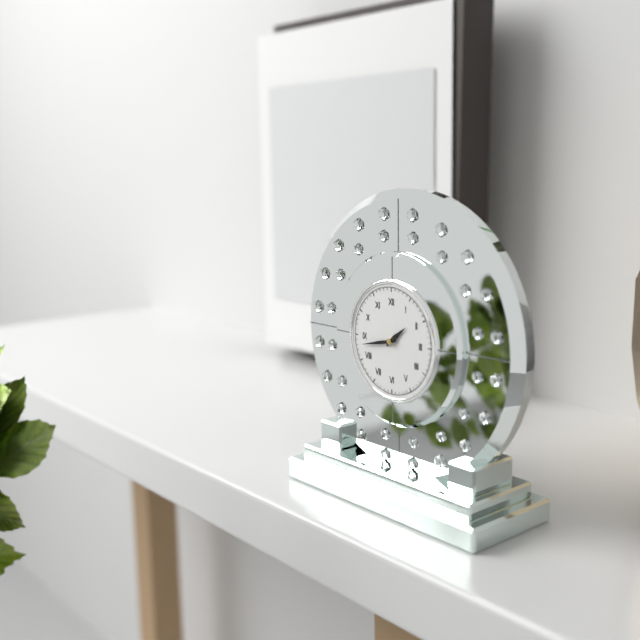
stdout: 1:43
